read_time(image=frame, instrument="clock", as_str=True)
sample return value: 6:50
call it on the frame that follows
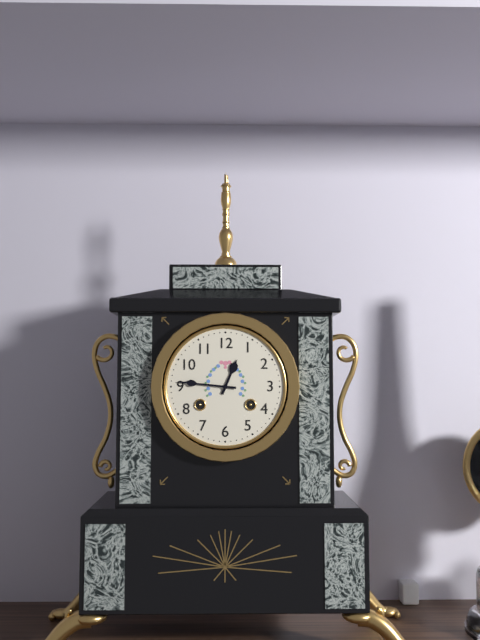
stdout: 12:46
